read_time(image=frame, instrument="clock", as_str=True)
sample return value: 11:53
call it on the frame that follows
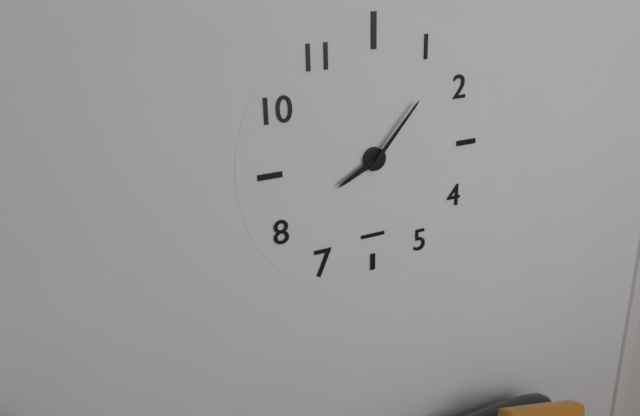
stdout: 8:07
